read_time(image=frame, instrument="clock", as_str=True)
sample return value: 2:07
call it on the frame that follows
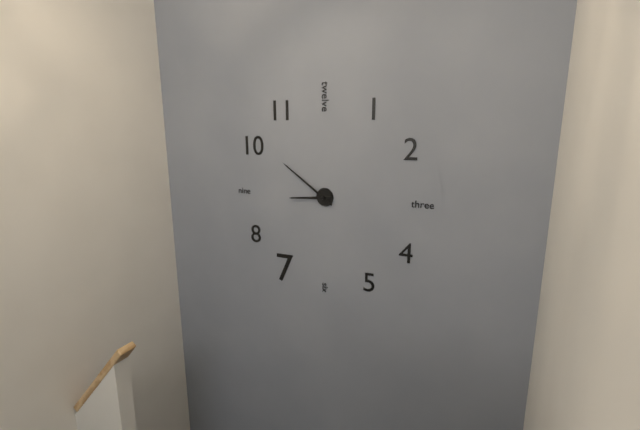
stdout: 8:51
